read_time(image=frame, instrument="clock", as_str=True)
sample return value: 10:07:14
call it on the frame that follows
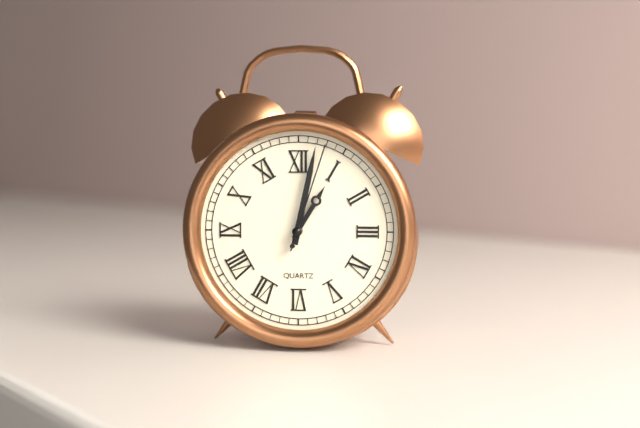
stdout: 1:02:03
